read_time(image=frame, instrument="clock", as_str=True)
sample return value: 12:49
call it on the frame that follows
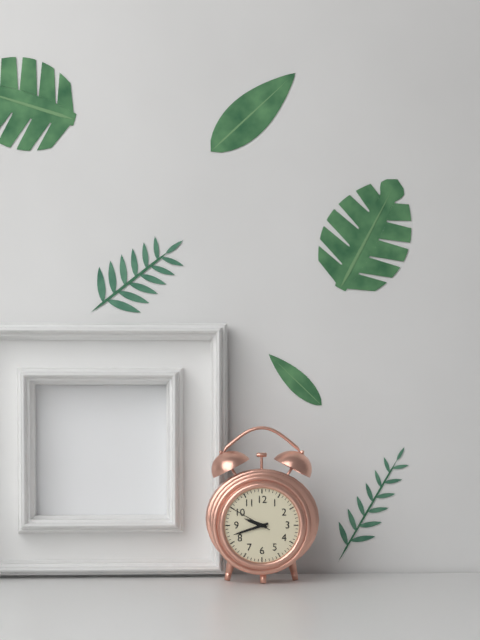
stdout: 9:42
